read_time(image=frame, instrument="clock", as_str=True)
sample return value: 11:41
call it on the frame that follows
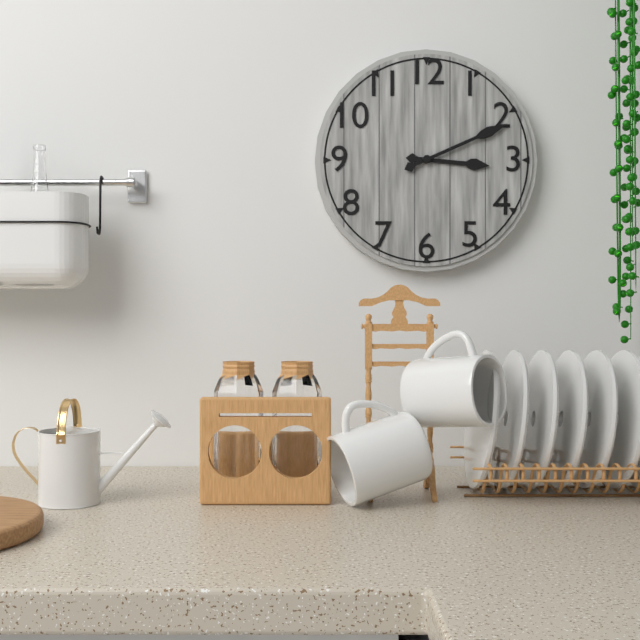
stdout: 3:11
